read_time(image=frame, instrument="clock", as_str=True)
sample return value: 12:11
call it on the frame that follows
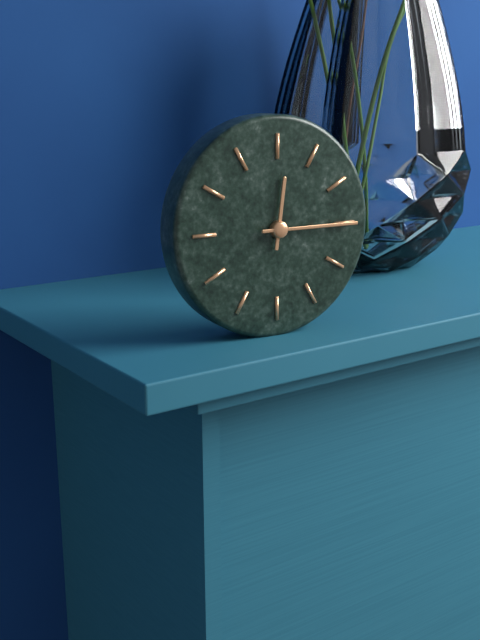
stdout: 12:15
